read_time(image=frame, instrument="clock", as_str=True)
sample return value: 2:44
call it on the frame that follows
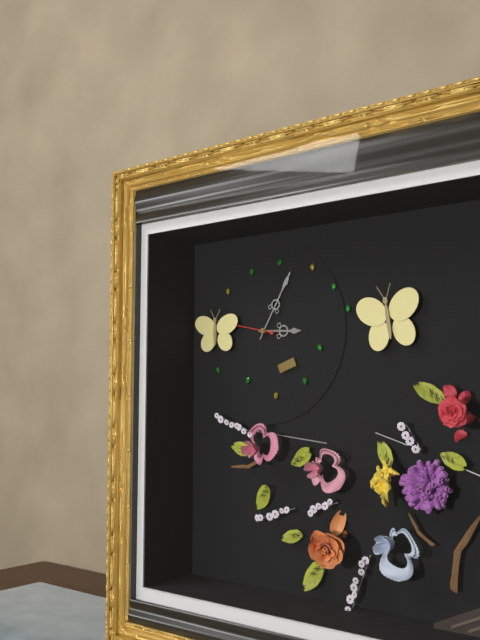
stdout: 3:05
